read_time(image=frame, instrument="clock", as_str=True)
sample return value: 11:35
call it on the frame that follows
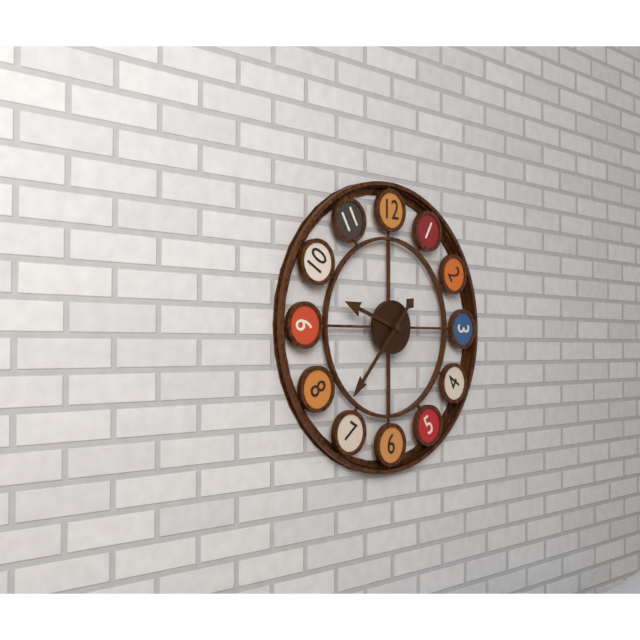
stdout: 9:37
